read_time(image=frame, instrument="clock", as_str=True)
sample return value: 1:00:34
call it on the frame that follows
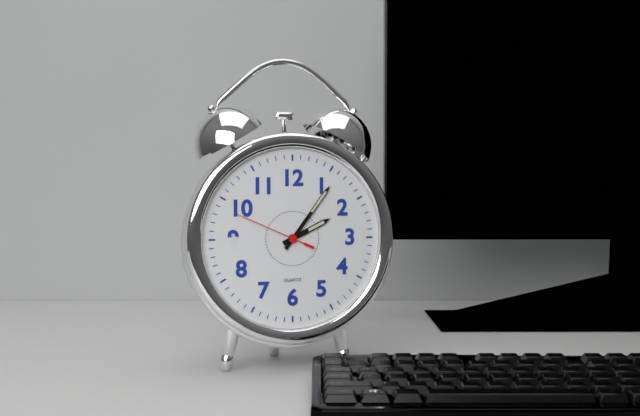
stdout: 2:06:49
